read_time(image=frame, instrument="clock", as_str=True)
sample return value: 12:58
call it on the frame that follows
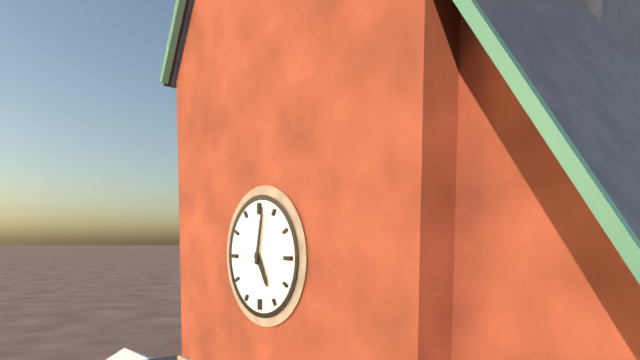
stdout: 5:02
